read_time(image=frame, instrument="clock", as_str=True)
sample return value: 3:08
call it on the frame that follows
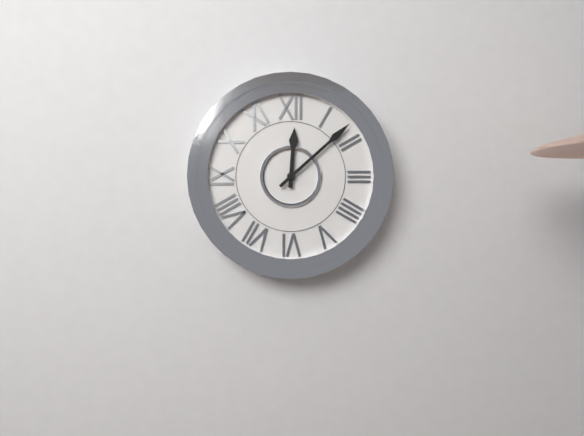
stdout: 12:08
